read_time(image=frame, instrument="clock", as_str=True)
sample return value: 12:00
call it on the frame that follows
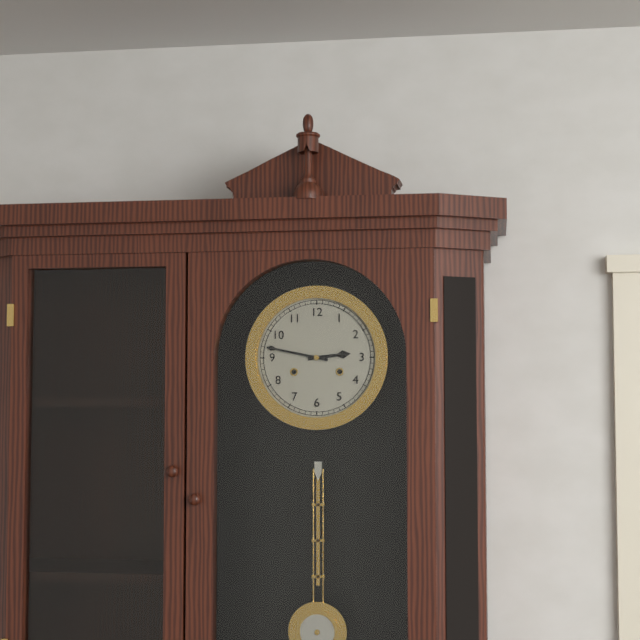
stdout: 2:47
